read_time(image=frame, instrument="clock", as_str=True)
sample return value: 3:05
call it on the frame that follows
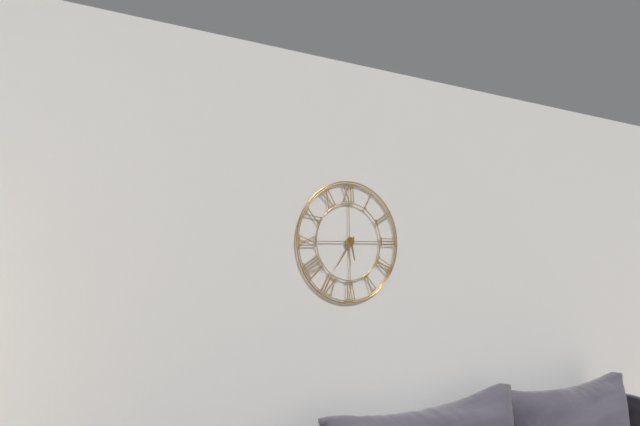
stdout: 5:36
